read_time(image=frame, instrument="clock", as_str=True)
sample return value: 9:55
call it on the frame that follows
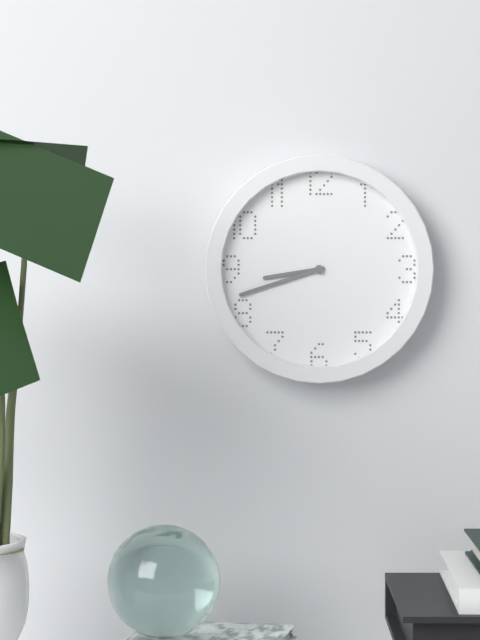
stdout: 8:42
